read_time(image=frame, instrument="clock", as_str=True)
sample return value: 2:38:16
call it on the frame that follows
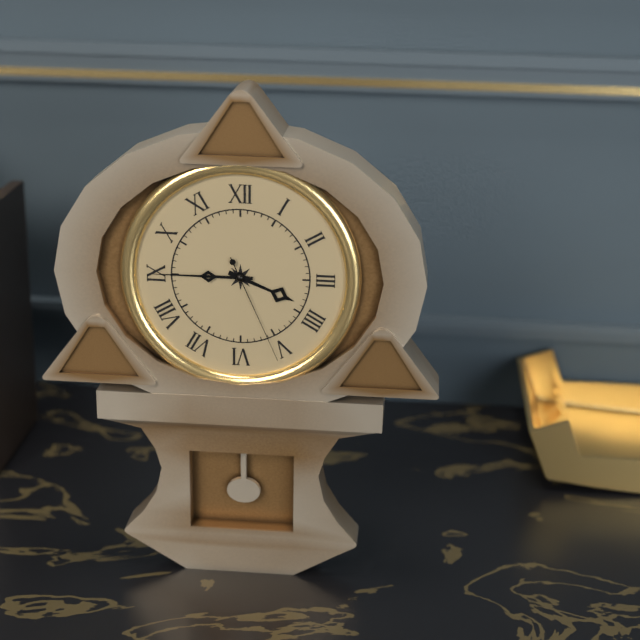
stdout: 3:45:26
